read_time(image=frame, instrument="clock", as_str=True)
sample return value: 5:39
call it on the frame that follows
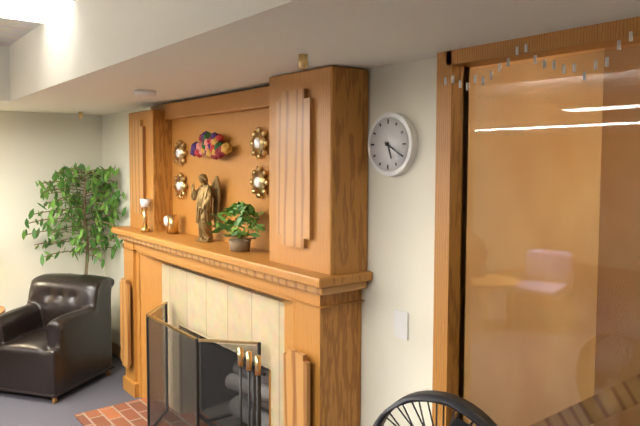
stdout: 5:20
